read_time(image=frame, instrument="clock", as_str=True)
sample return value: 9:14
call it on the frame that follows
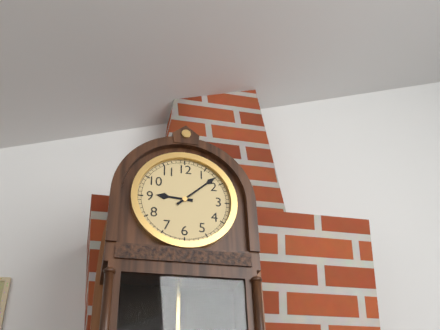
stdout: 9:08
